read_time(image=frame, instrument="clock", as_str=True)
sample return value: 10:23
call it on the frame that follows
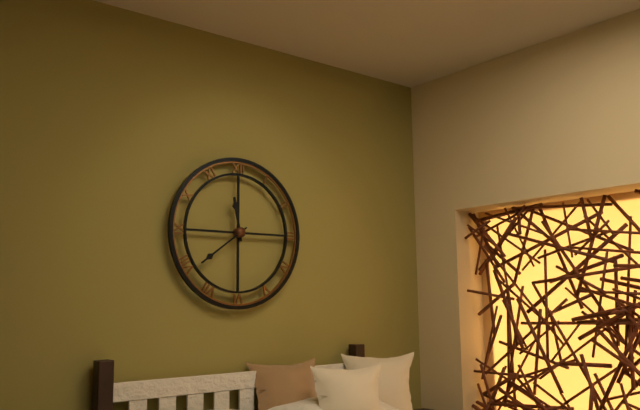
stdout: 11:39
